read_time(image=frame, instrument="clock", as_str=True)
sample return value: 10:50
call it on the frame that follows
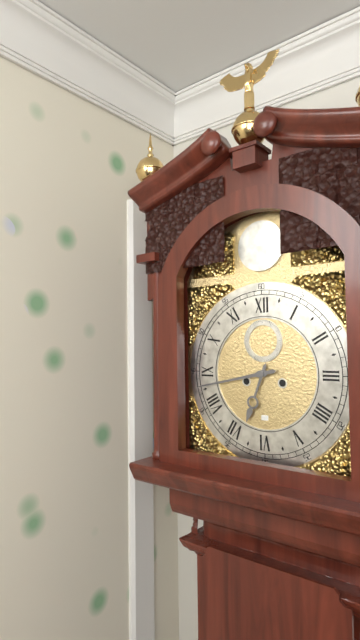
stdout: 6:43
